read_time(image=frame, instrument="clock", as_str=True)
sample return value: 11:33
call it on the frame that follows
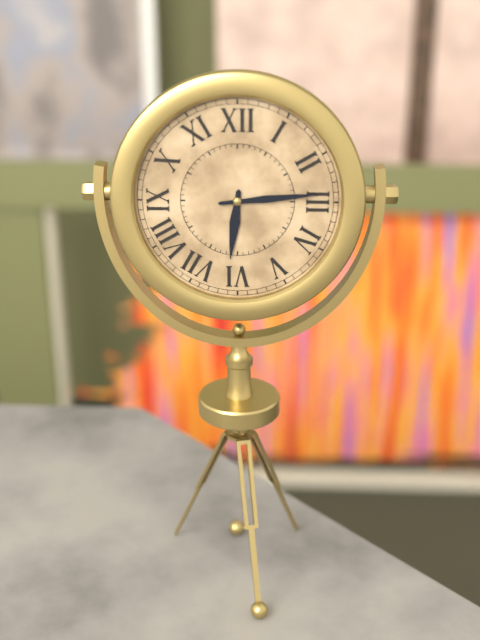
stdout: 6:14
